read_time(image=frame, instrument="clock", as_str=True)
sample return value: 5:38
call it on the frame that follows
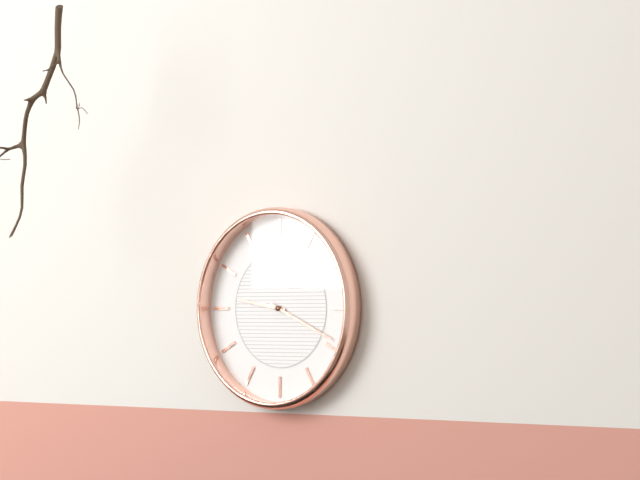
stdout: 9:19
